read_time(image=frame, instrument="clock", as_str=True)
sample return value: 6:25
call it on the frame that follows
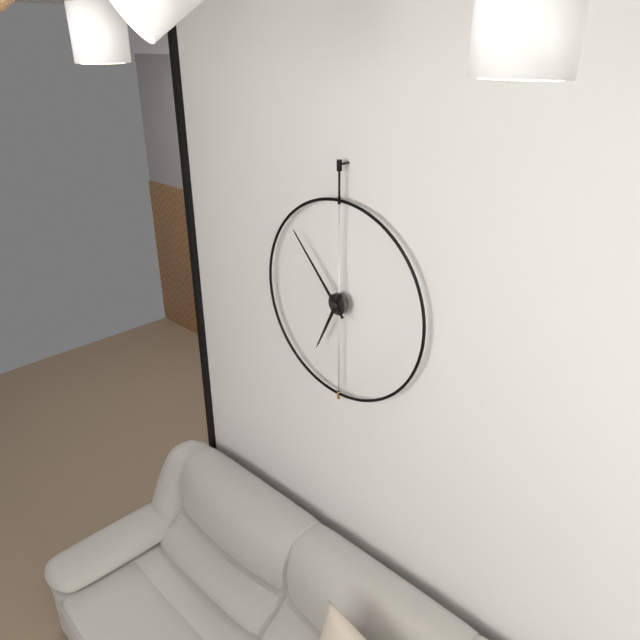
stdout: 6:53
